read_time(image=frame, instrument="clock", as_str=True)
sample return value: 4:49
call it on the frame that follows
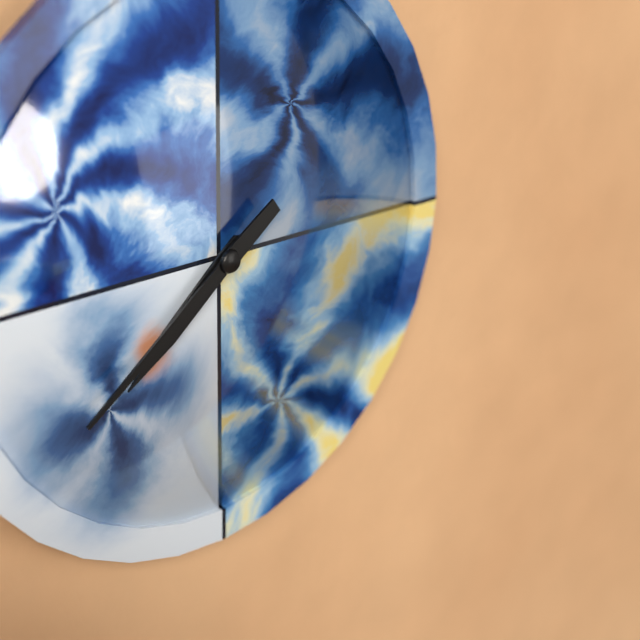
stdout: 7:39
